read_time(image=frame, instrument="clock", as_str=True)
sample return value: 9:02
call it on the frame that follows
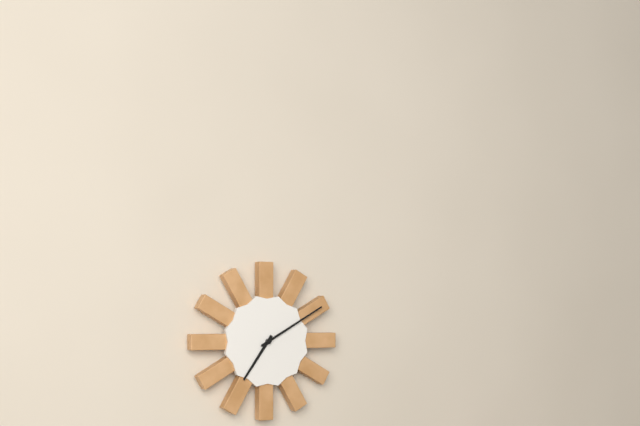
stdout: 7:10
